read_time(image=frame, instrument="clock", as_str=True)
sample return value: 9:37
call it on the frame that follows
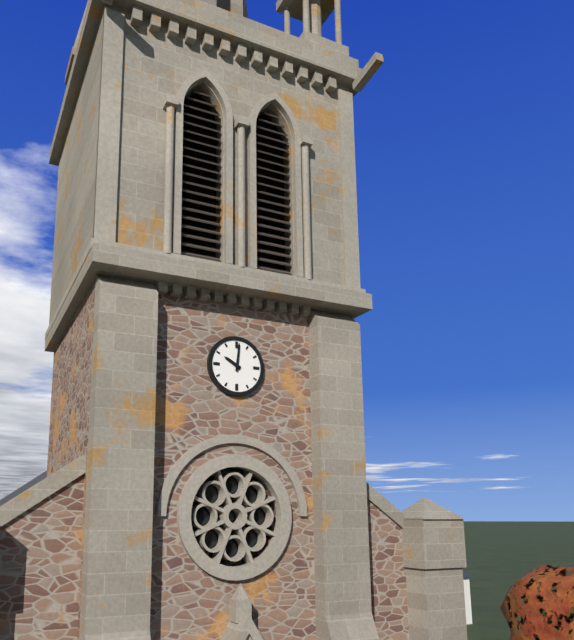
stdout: 10:01
